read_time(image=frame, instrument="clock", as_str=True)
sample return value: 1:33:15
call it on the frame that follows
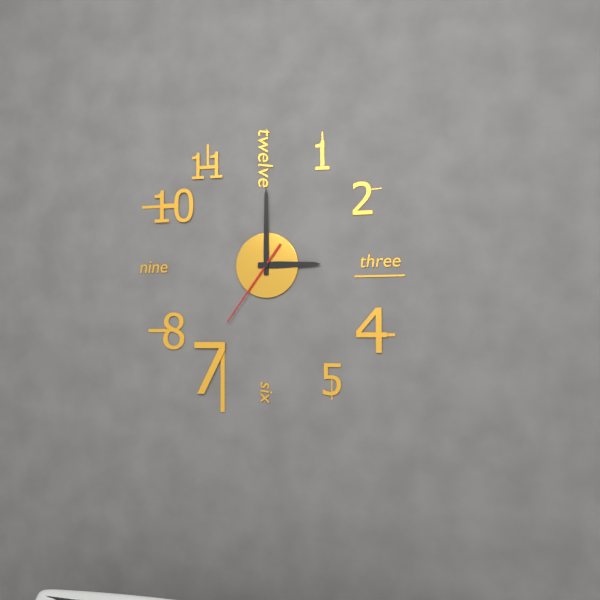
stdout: 3:00:36
